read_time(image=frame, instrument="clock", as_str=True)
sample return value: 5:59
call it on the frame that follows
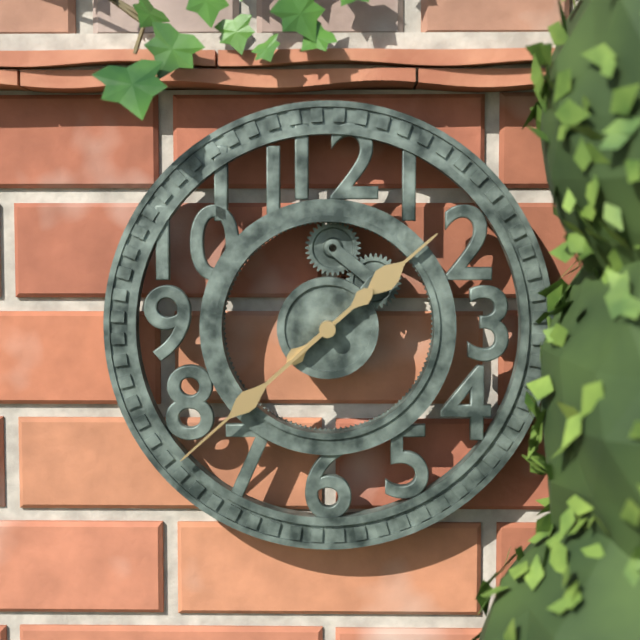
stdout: 1:38
